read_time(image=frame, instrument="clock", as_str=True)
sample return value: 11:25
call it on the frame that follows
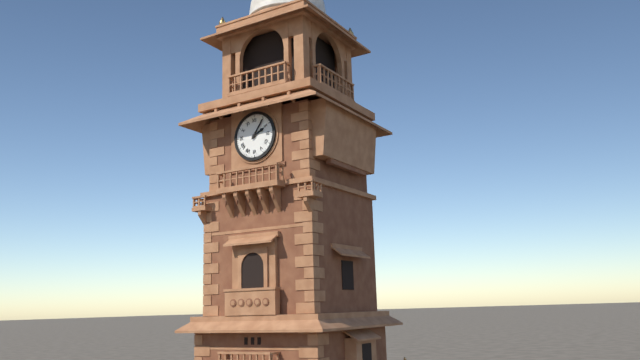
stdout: 2:06
